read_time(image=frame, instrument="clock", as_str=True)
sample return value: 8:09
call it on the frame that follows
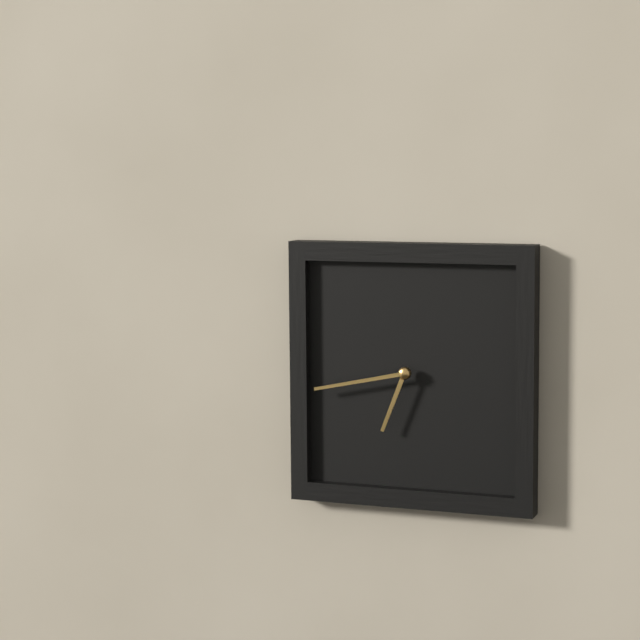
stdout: 6:43
